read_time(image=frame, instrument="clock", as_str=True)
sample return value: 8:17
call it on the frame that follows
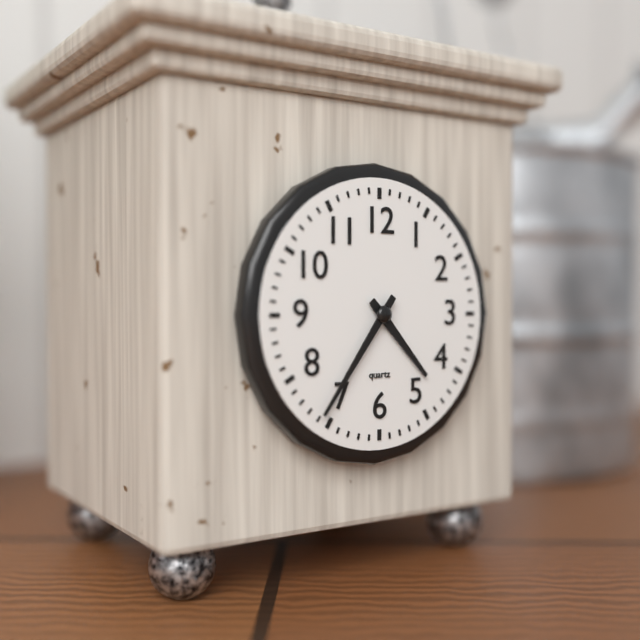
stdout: 4:36
